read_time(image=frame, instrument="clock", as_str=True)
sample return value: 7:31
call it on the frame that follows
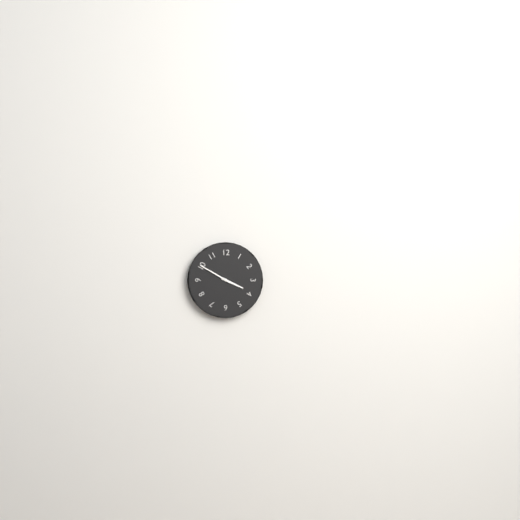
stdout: 3:50
